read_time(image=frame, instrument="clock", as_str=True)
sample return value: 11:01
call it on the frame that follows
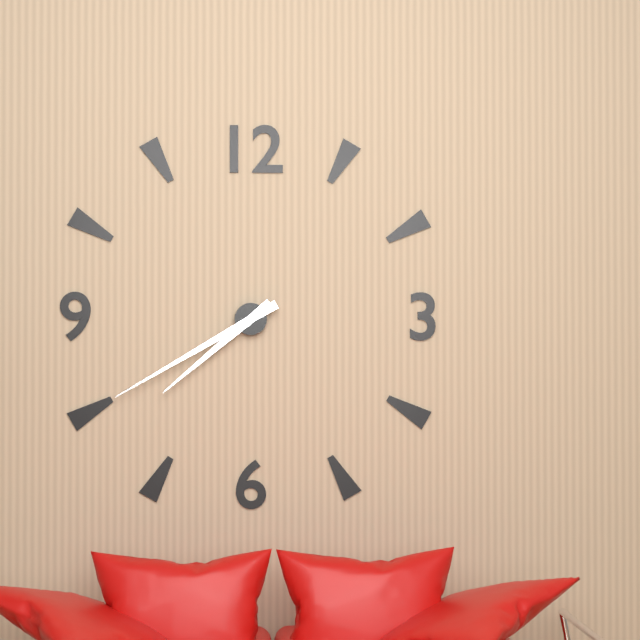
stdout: 7:40
